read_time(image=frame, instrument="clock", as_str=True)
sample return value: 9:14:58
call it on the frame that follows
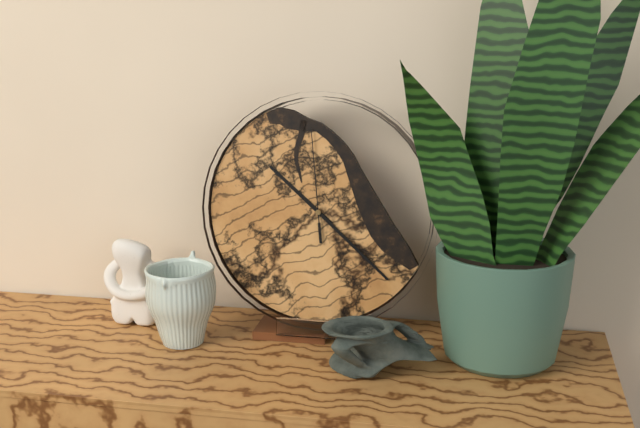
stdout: 10:22:59
